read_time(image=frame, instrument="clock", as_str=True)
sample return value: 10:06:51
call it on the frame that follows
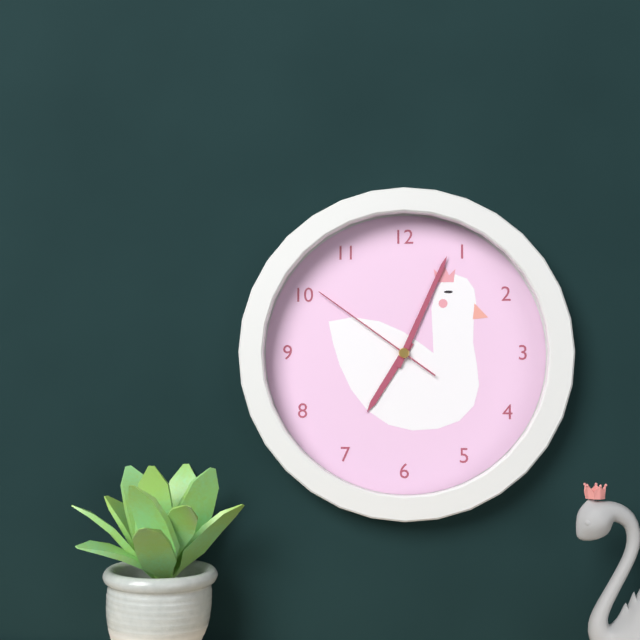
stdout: 7:04:51
